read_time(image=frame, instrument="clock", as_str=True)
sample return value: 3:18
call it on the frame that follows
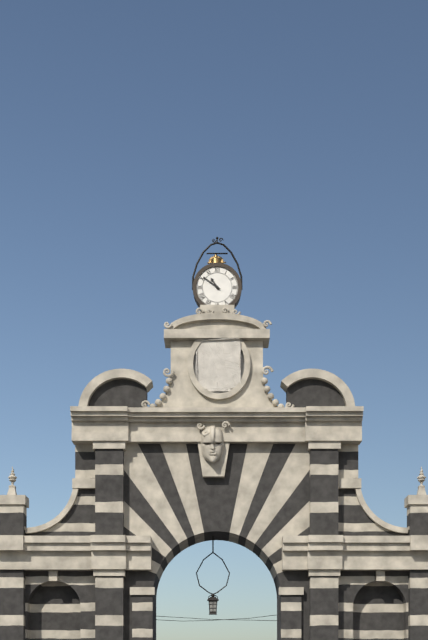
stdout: 10:51
